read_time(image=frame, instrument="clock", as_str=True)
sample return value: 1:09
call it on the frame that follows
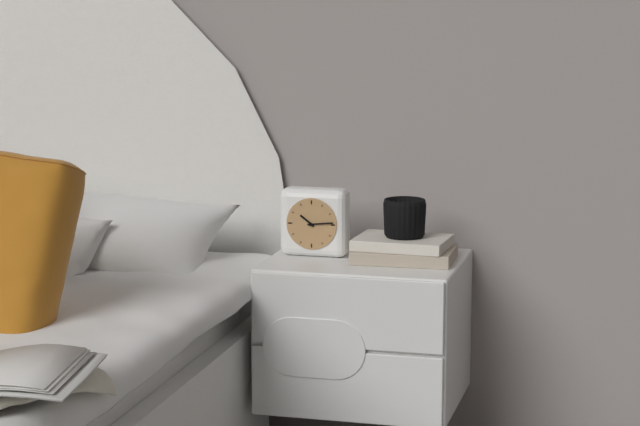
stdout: 10:14
